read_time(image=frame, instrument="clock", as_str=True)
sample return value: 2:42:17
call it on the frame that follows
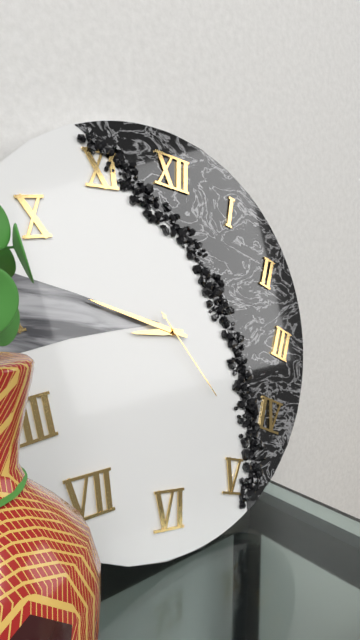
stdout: 8:47:23
